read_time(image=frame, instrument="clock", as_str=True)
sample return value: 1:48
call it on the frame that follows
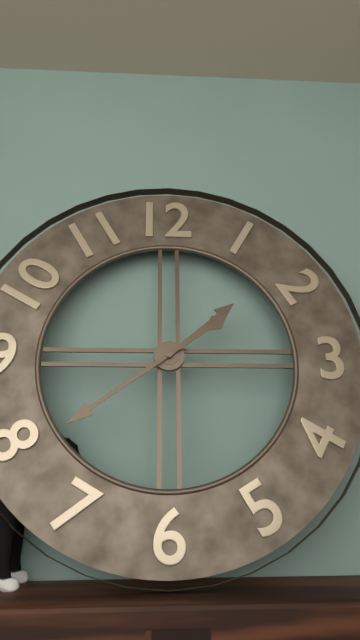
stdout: 1:39
